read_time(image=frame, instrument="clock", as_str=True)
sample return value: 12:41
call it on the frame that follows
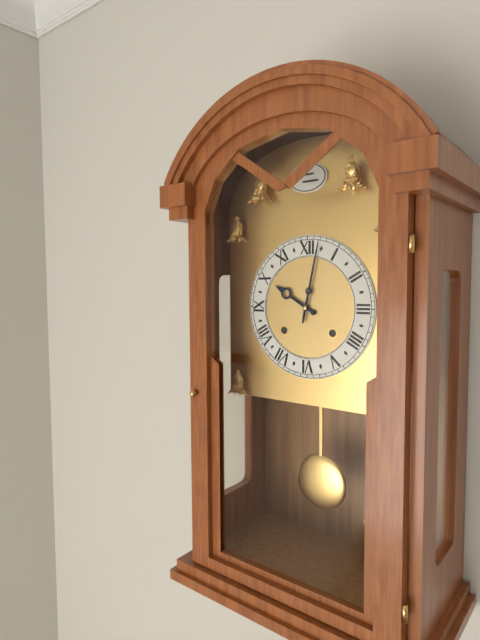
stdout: 10:02
